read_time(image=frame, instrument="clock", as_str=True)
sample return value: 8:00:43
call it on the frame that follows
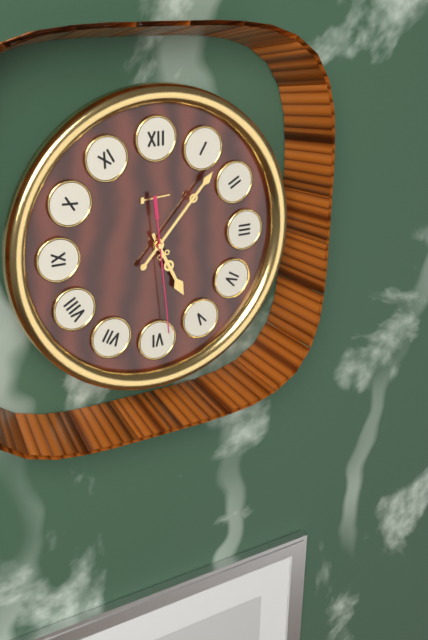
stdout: 5:07:29
